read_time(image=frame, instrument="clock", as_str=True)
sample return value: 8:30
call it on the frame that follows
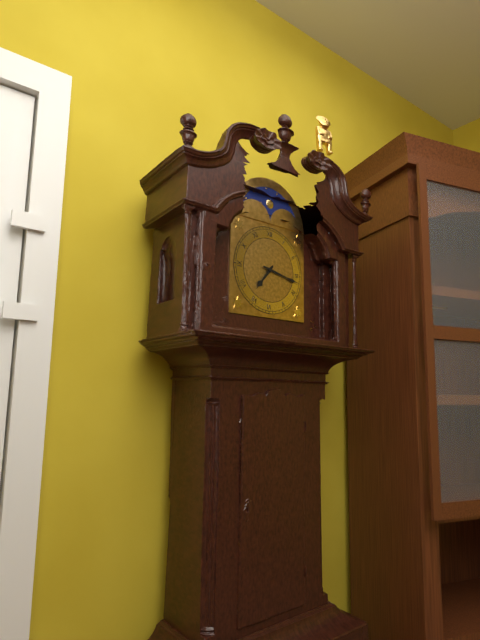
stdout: 7:17
